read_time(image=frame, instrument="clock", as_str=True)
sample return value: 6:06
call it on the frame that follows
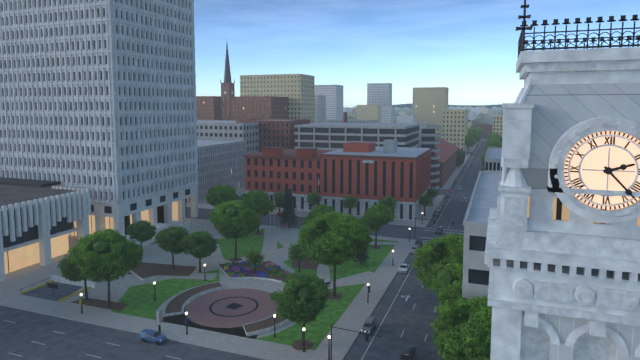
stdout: 2:23
